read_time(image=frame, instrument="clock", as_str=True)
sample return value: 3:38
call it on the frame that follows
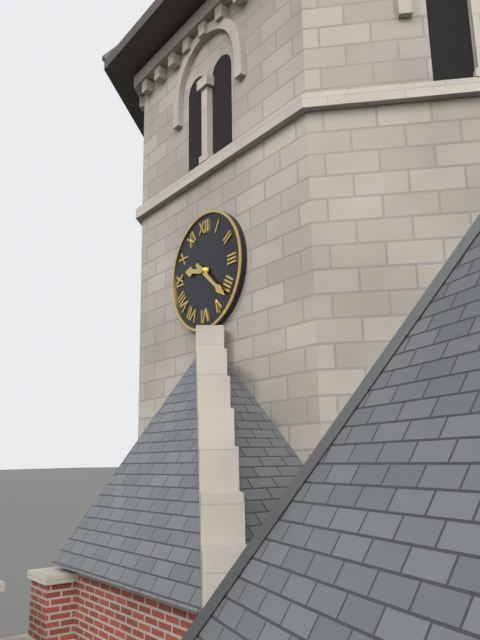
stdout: 9:22
